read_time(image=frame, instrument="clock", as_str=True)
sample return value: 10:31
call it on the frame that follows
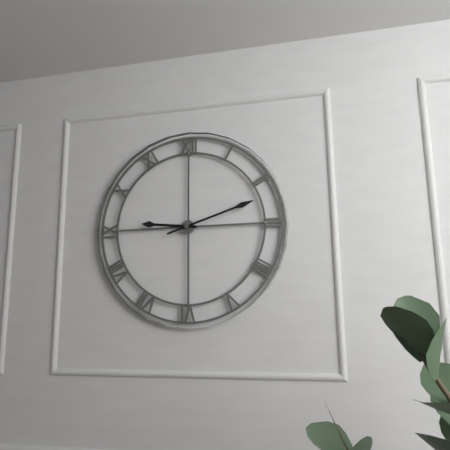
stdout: 9:12
